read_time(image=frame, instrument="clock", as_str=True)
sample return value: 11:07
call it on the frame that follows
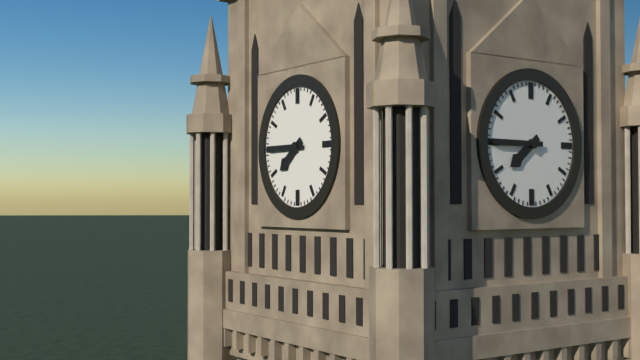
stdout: 7:45
